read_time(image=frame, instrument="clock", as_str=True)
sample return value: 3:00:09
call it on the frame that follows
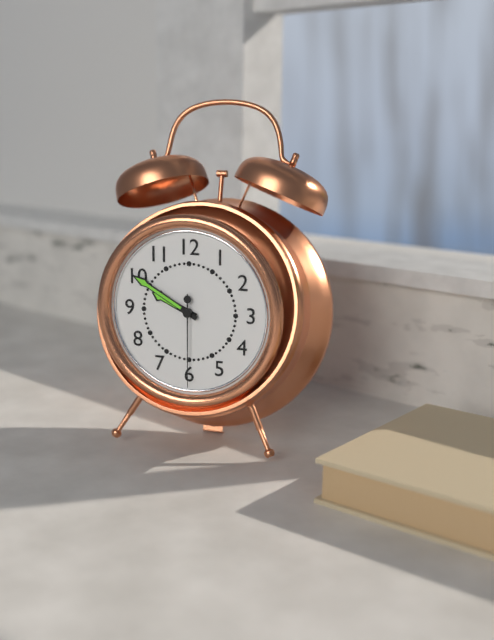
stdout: 9:50:30
